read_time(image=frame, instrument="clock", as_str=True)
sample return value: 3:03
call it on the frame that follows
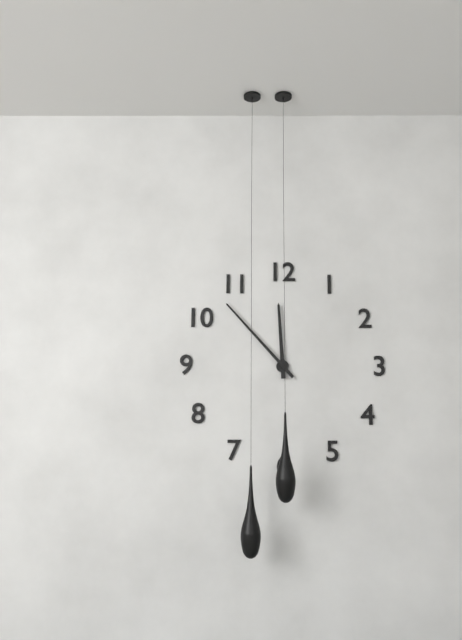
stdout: 11:53
